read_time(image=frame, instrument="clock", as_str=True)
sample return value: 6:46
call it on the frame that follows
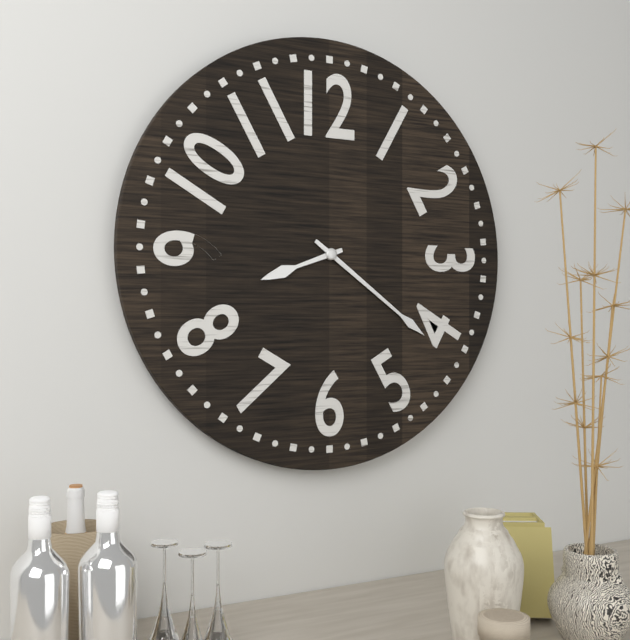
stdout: 8:21
